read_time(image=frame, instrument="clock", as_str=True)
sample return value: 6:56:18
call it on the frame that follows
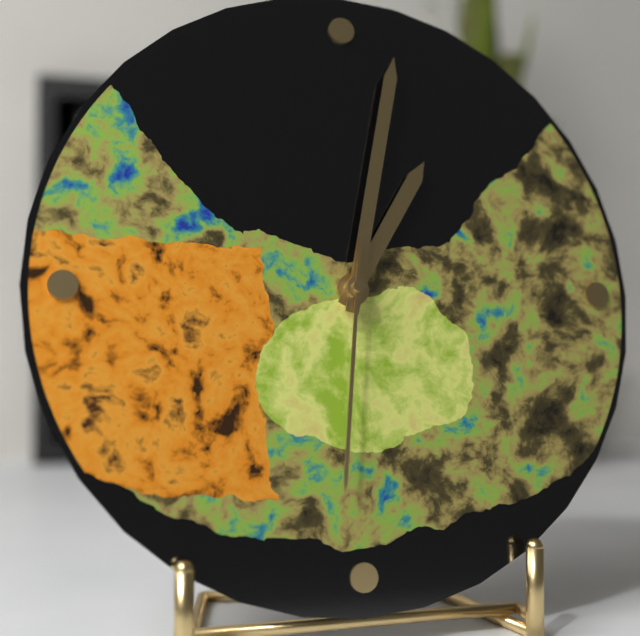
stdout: 1:02:31
